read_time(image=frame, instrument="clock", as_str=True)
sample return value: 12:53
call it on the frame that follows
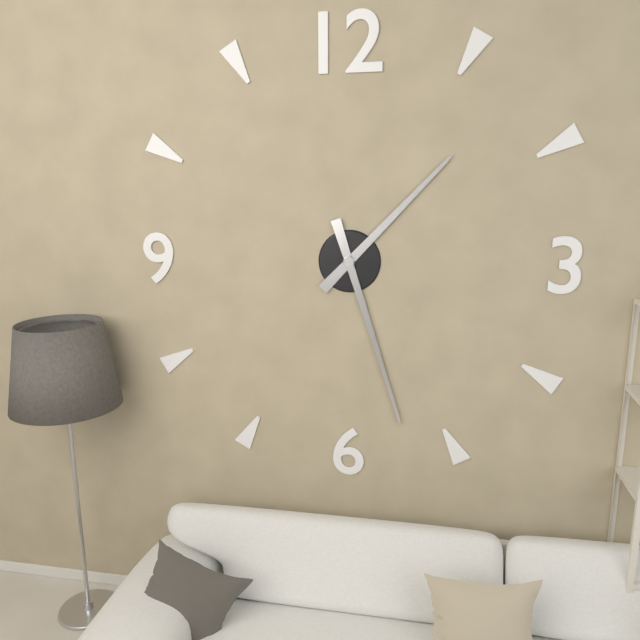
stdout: 1:27
